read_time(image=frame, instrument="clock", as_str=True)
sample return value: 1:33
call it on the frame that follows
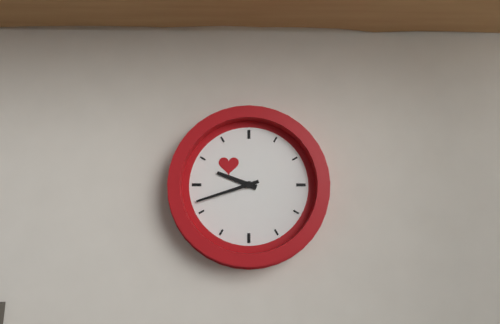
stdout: 9:42
